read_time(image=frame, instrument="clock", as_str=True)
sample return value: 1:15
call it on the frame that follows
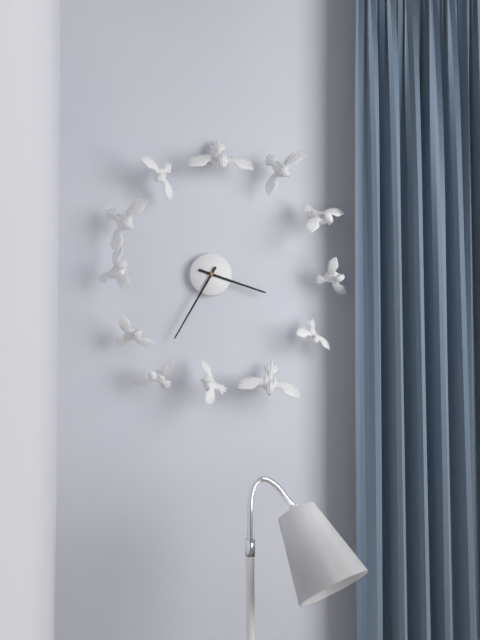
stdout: 3:35
